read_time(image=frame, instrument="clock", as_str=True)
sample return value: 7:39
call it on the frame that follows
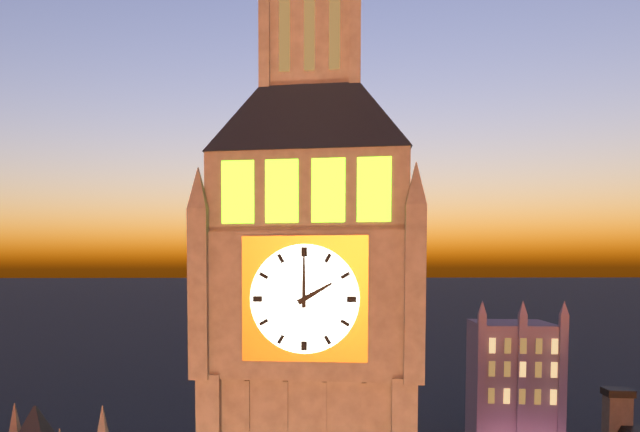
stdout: 2:00
